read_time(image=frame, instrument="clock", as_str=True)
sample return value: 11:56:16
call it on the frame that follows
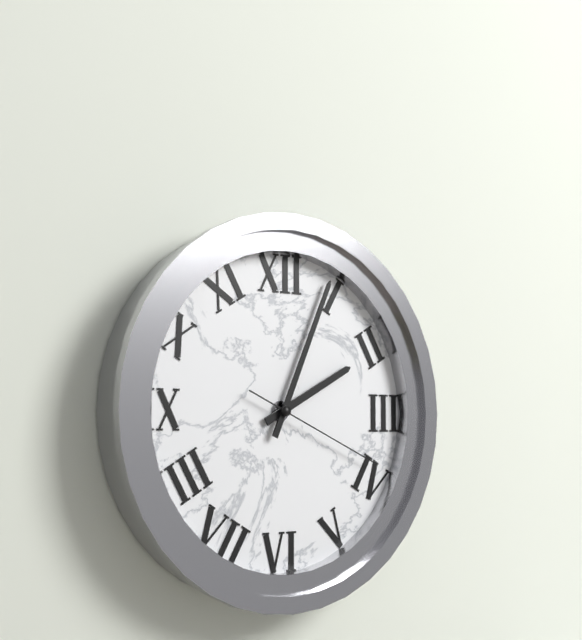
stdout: 2:04:19
